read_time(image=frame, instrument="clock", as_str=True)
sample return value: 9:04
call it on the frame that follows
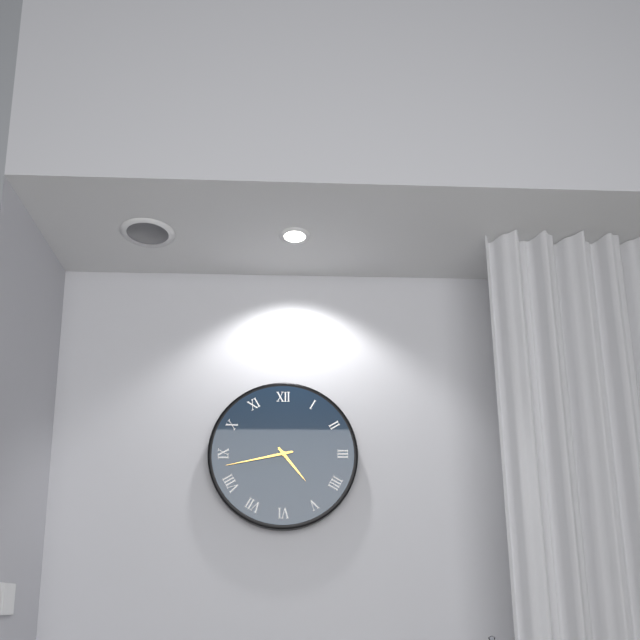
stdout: 4:43
